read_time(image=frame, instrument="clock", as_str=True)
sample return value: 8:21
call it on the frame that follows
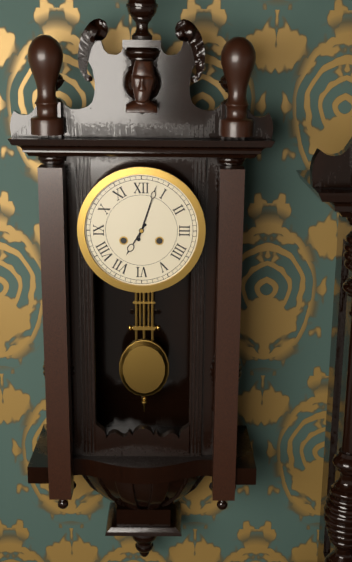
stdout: 7:03
